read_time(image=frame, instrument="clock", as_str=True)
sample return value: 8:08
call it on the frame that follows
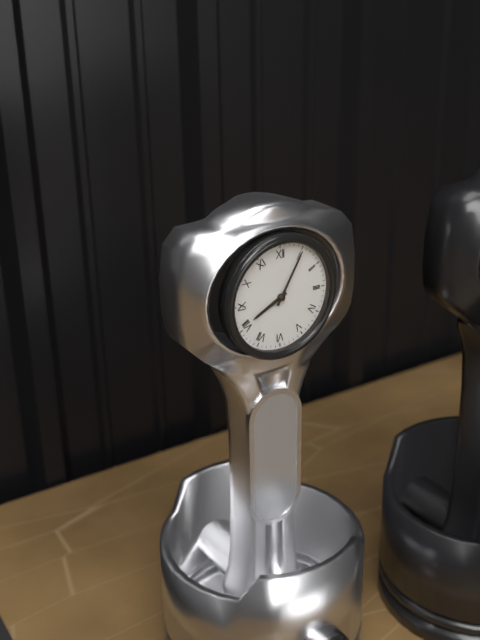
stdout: 8:05
